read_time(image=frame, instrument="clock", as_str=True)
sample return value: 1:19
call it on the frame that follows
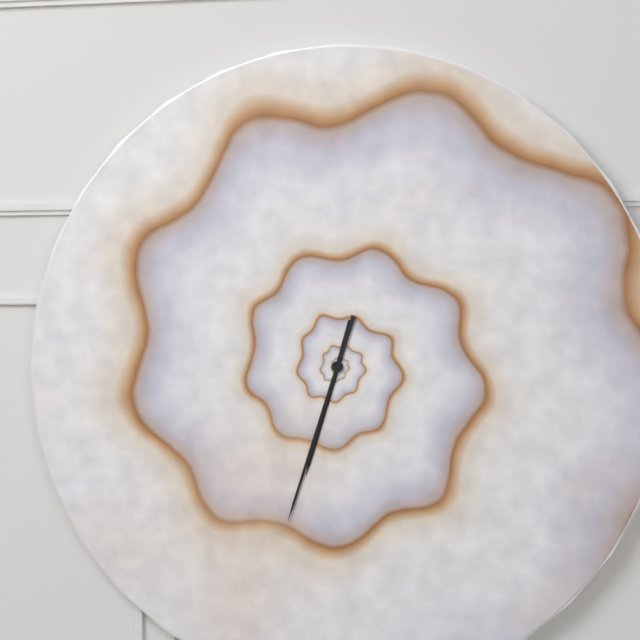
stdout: 6:33
